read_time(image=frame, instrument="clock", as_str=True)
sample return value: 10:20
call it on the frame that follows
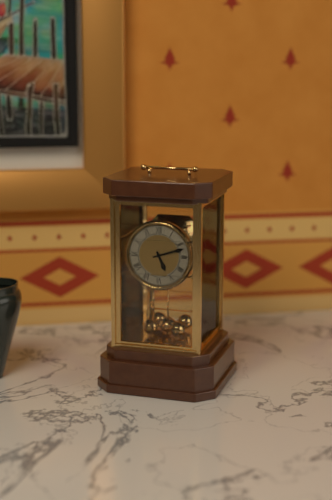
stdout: 5:12
